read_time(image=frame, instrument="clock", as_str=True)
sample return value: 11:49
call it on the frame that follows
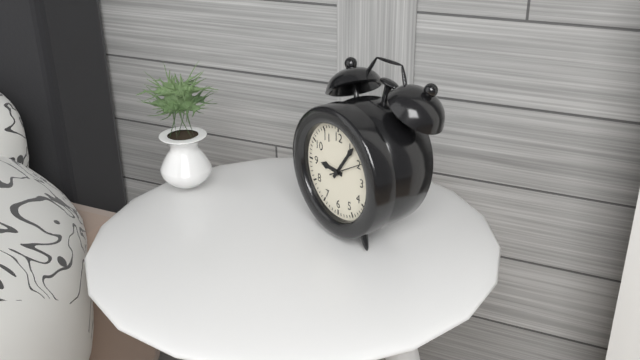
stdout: 9:06
